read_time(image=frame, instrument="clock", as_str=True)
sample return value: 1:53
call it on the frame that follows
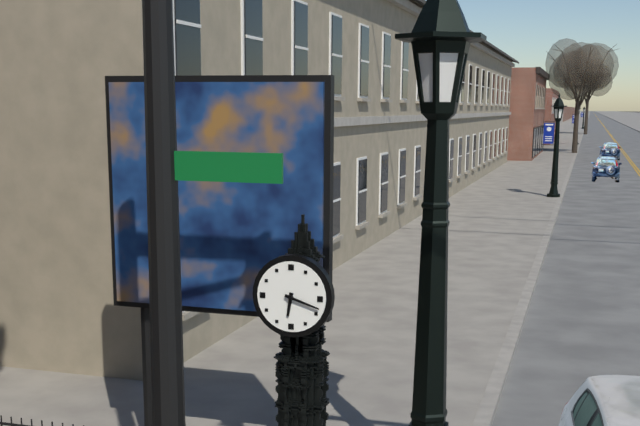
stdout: 6:18
